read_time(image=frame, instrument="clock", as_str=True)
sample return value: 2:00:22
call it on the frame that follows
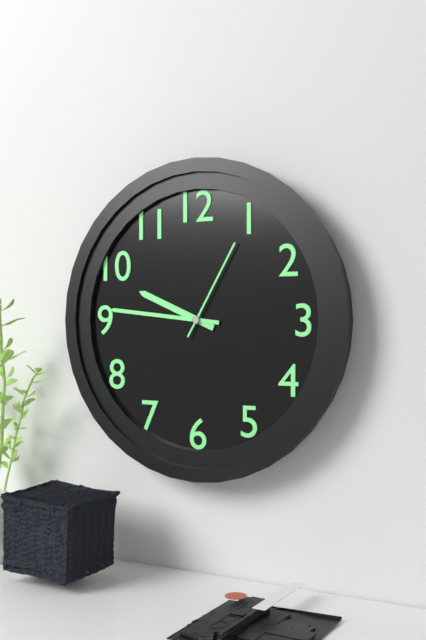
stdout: 9:46:05
